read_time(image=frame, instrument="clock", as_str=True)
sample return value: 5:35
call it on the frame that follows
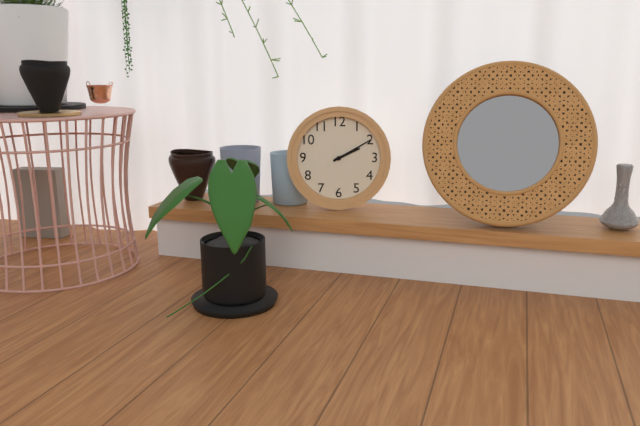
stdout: 2:10
